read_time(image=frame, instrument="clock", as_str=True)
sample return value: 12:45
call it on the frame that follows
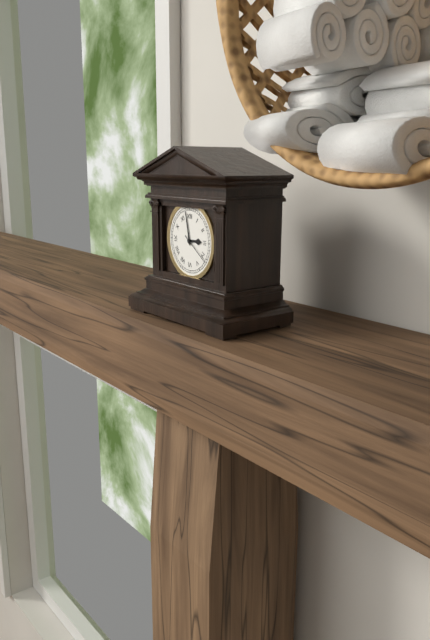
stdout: 2:58
